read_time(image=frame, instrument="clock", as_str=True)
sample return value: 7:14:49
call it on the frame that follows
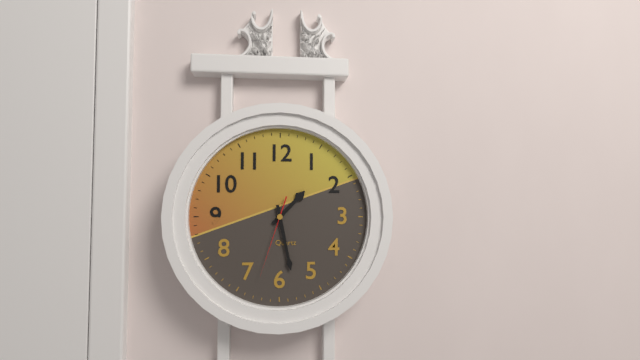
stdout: 1:28:33
